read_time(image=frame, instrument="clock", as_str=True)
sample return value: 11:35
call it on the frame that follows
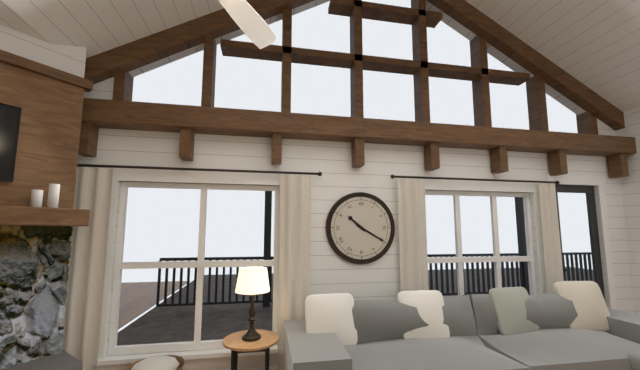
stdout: 10:20
